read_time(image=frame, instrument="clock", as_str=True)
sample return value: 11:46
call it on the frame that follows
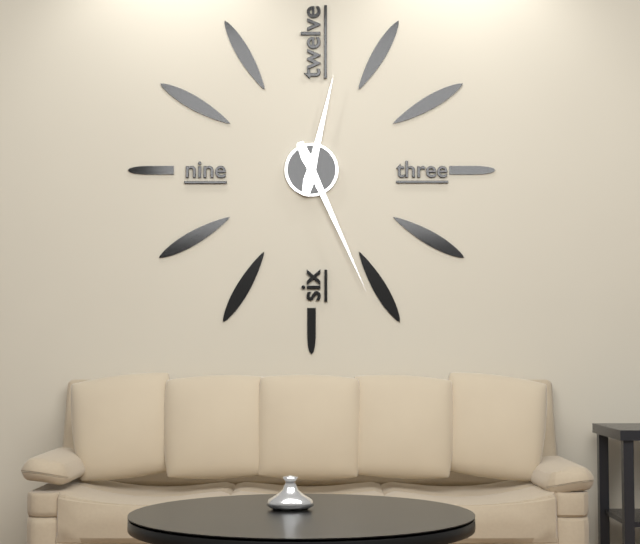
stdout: 12:26
